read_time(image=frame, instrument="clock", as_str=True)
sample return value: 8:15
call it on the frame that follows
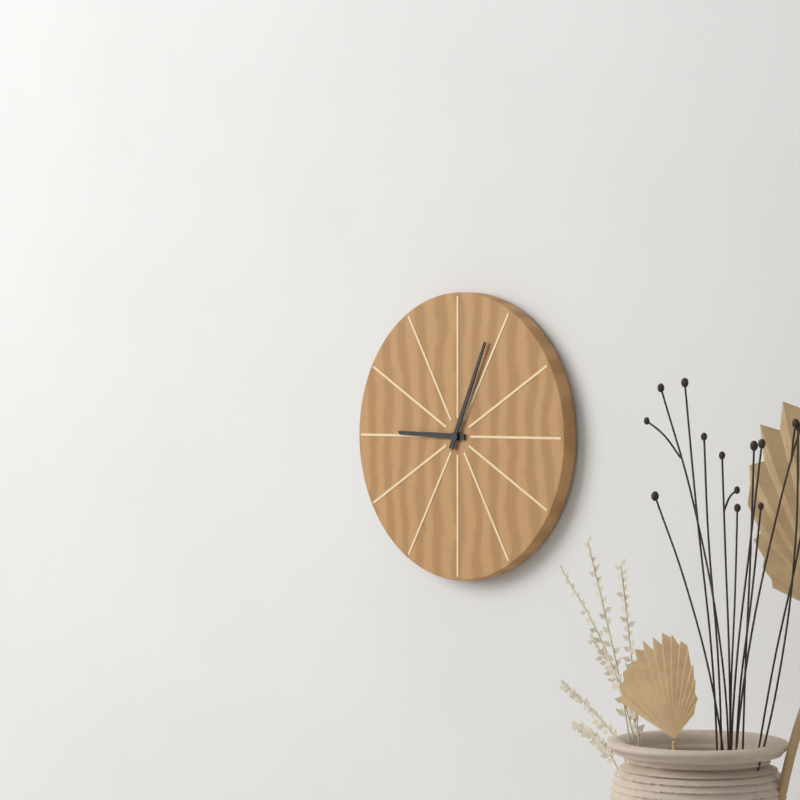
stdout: 9:04
